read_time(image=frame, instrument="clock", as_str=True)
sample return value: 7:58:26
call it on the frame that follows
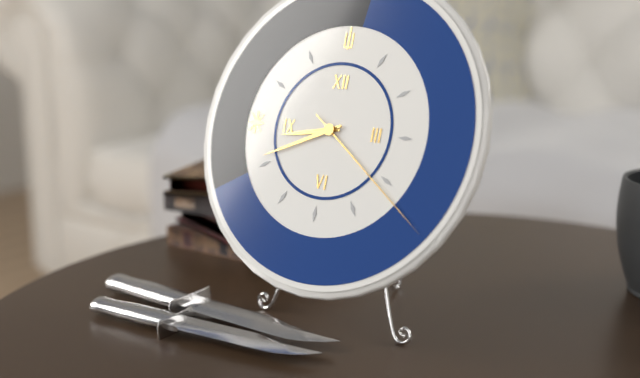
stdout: 8:41:21
